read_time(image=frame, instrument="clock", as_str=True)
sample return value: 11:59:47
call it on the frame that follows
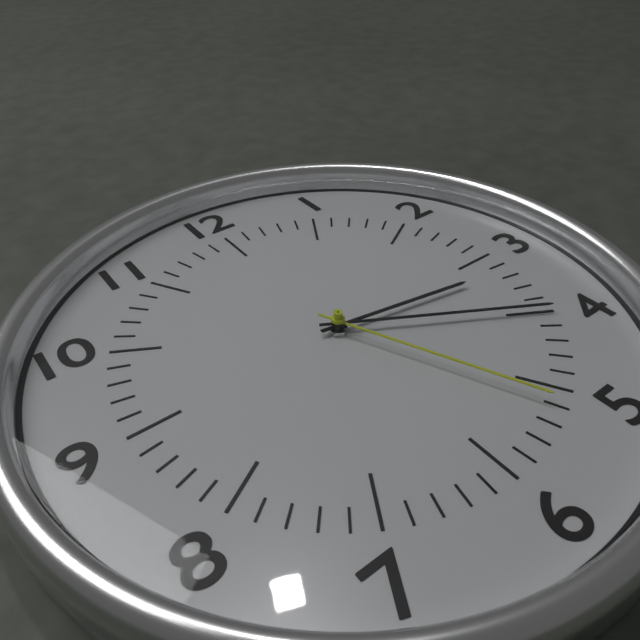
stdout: 3:20:26
